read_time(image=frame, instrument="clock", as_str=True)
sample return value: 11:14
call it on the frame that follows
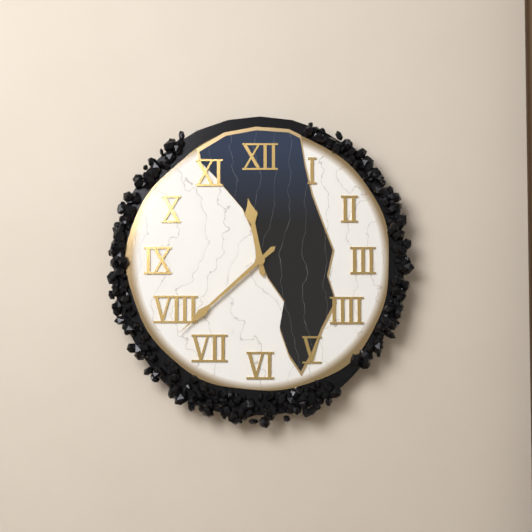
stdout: 11:38
